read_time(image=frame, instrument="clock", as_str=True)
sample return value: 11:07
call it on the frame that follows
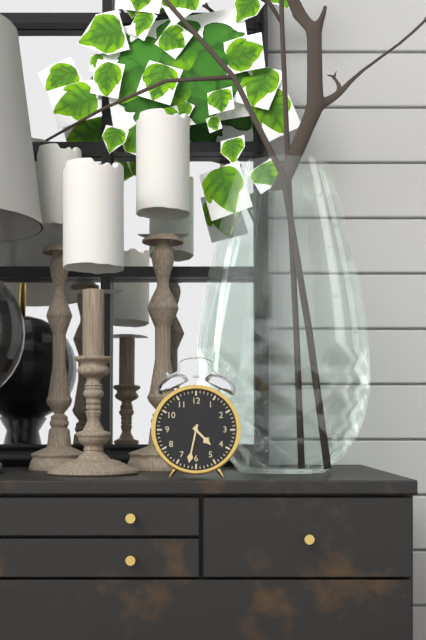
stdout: 4:32
